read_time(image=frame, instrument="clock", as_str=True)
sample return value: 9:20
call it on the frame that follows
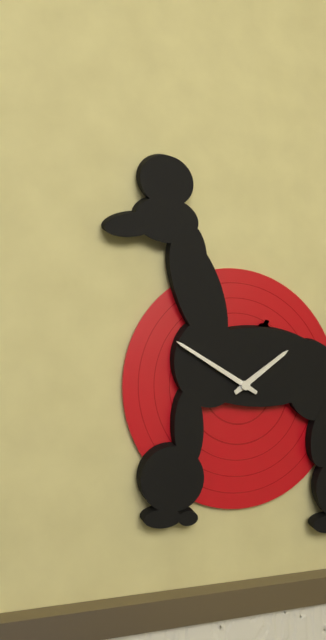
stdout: 1:50
